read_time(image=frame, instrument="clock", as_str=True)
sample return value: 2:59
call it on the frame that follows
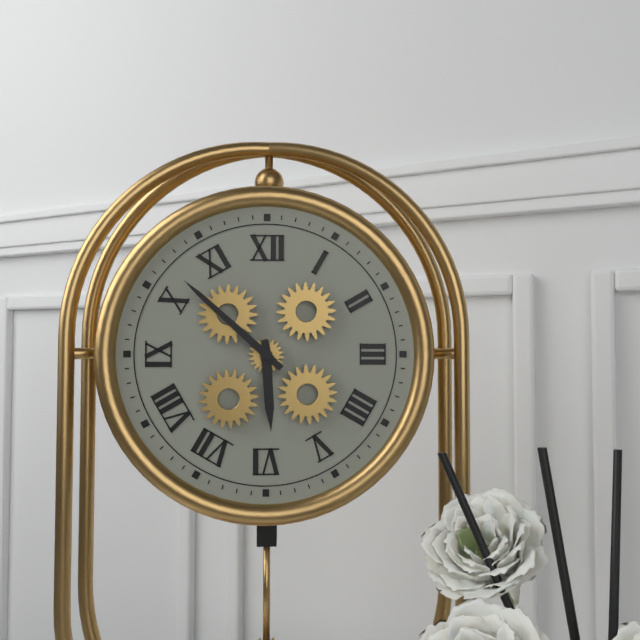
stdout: 5:52
